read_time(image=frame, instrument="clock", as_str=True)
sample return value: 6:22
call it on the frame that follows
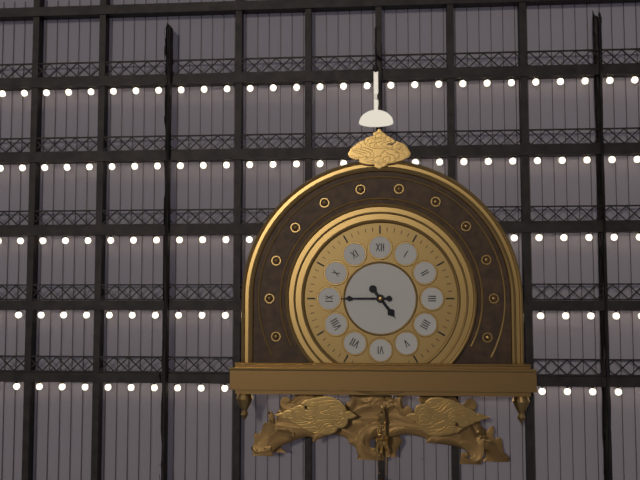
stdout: 4:45
